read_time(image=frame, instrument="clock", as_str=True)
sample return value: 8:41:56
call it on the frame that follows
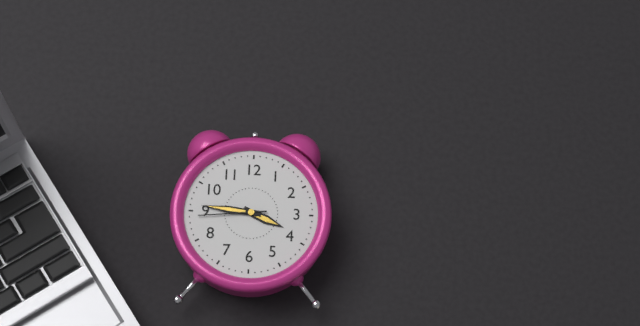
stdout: 3:46:44
